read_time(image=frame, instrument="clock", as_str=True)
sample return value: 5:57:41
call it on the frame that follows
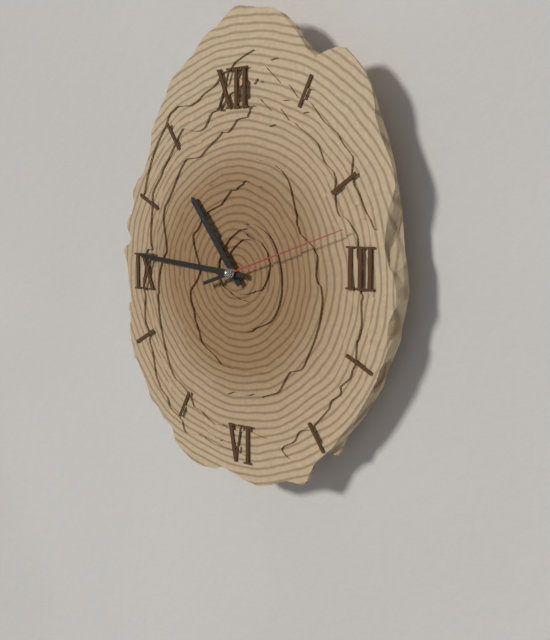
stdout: 10:46:12
